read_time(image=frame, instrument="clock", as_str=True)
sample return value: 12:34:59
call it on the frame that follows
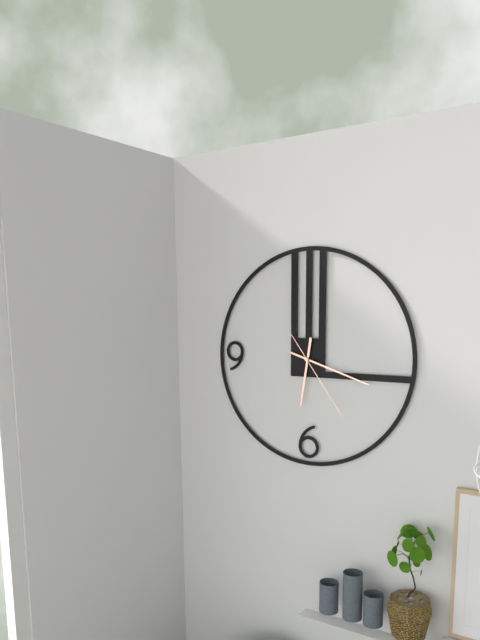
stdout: 6:18:24
